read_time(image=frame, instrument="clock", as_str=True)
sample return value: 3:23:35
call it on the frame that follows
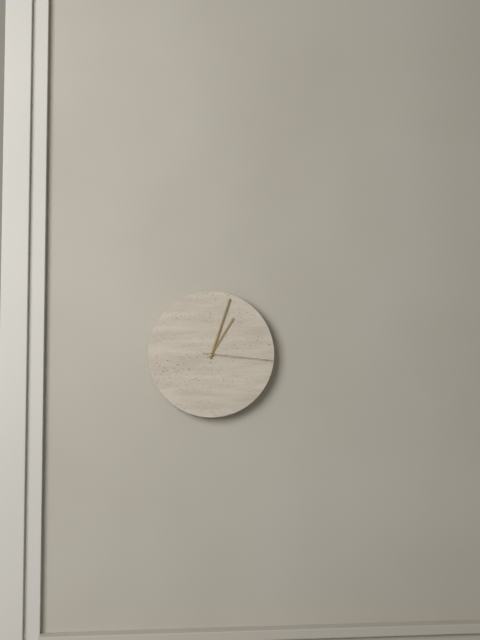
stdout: 1:03:16
